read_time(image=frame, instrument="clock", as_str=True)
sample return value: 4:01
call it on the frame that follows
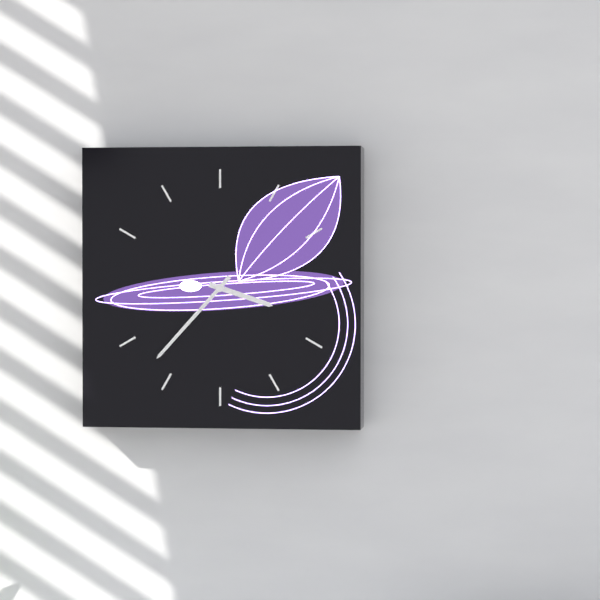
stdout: 3:37
